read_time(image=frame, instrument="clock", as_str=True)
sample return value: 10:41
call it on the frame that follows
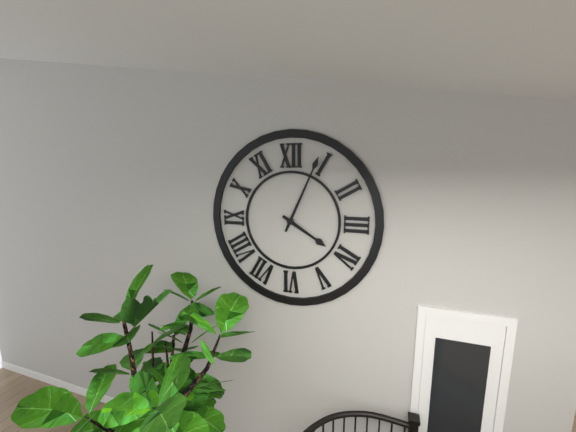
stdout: 4:04
